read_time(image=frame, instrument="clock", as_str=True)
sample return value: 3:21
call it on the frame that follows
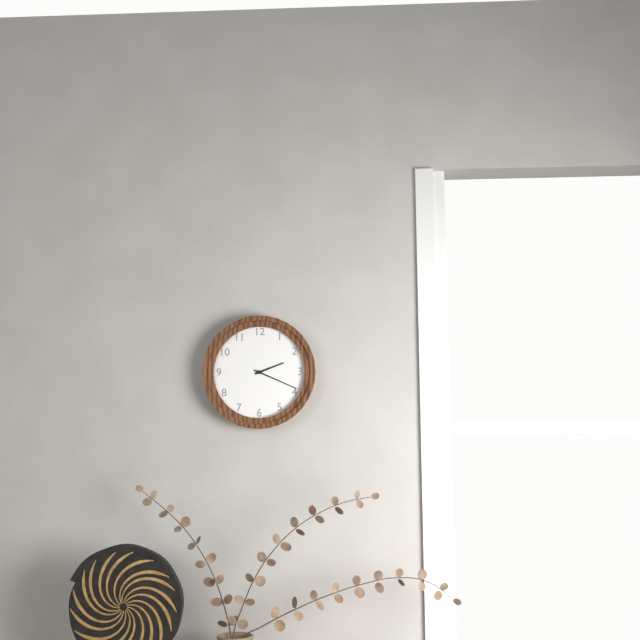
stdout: 2:19
